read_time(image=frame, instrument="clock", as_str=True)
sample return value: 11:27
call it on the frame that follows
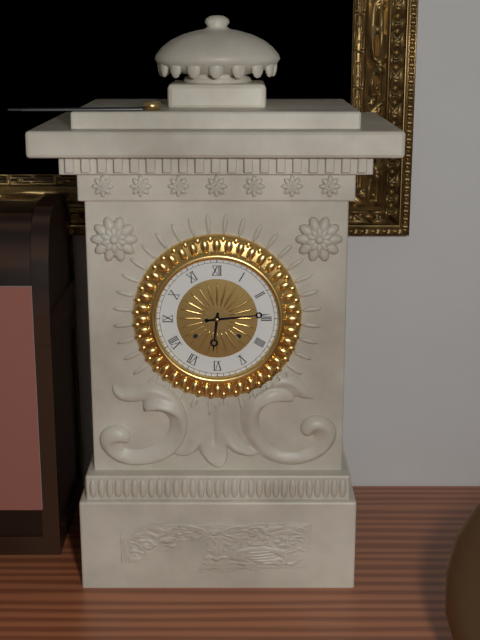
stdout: 6:14
